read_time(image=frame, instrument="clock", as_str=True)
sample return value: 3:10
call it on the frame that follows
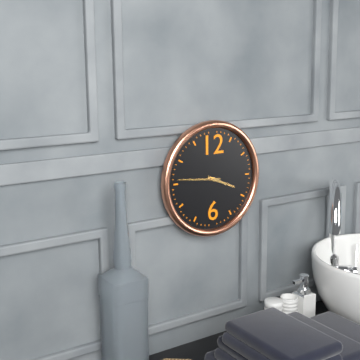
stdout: 3:46
